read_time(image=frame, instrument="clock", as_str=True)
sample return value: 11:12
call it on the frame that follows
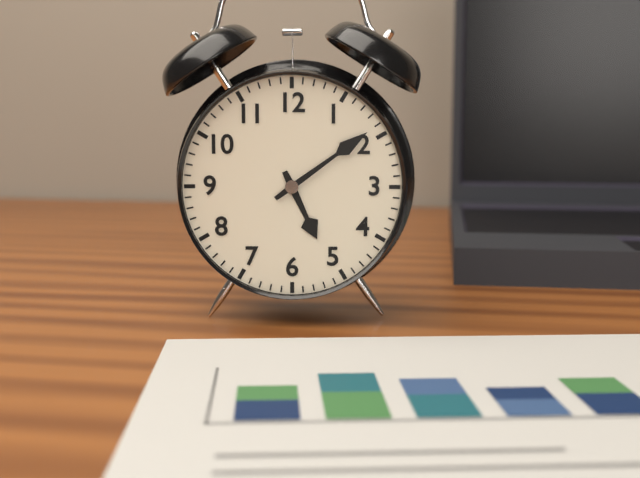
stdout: 5:09
